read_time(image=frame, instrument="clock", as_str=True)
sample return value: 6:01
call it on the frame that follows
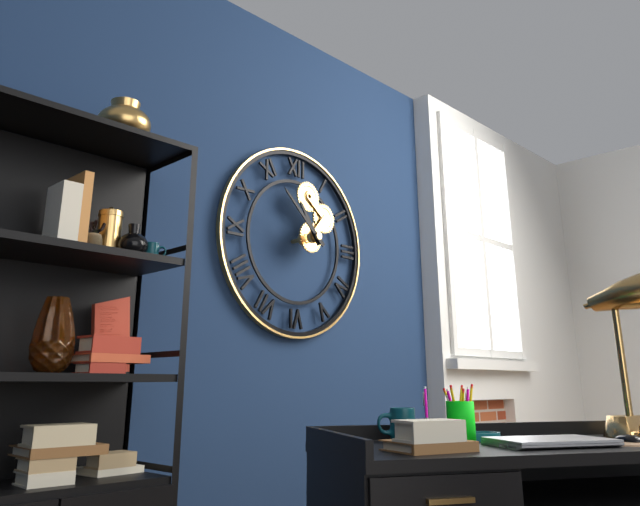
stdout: 10:52
